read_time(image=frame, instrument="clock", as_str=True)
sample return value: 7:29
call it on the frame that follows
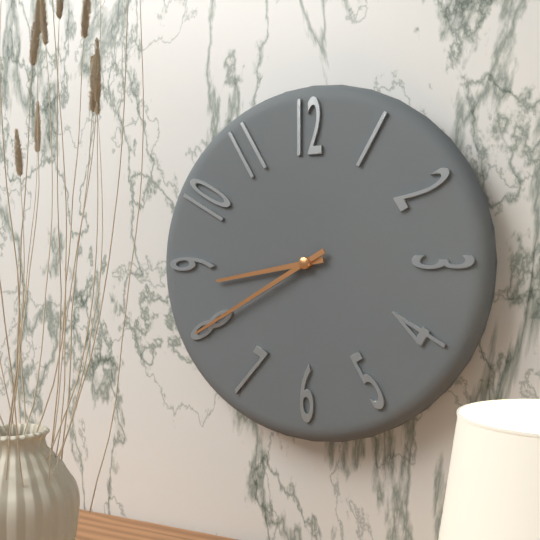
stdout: 8:40
